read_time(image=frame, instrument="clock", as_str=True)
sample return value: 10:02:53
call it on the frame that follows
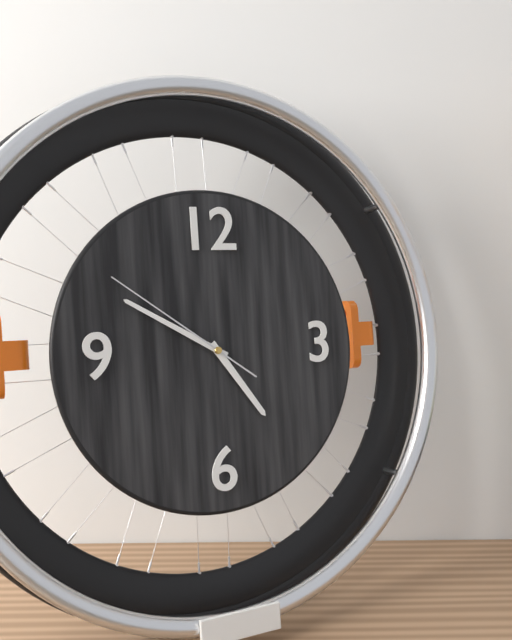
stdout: 4:50:51
